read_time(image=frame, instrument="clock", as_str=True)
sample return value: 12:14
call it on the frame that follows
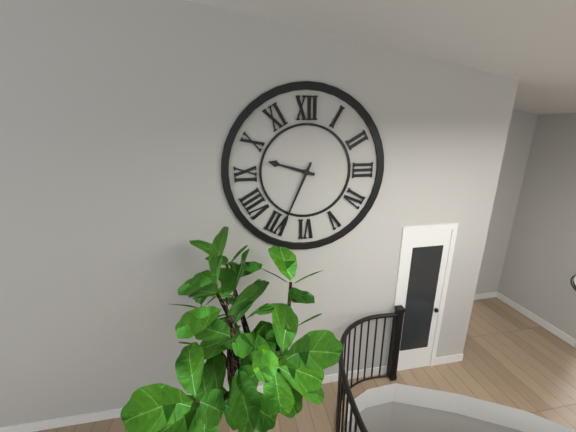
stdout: 9:34
